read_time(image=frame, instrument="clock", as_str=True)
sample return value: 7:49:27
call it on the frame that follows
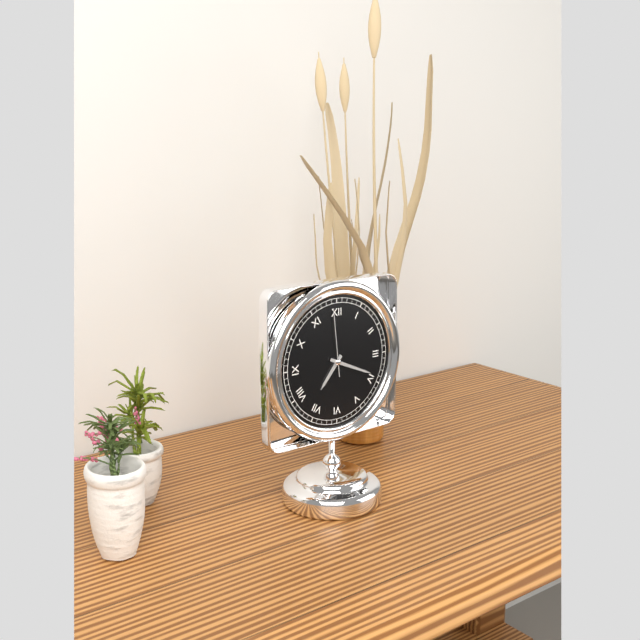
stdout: 7:19:59
